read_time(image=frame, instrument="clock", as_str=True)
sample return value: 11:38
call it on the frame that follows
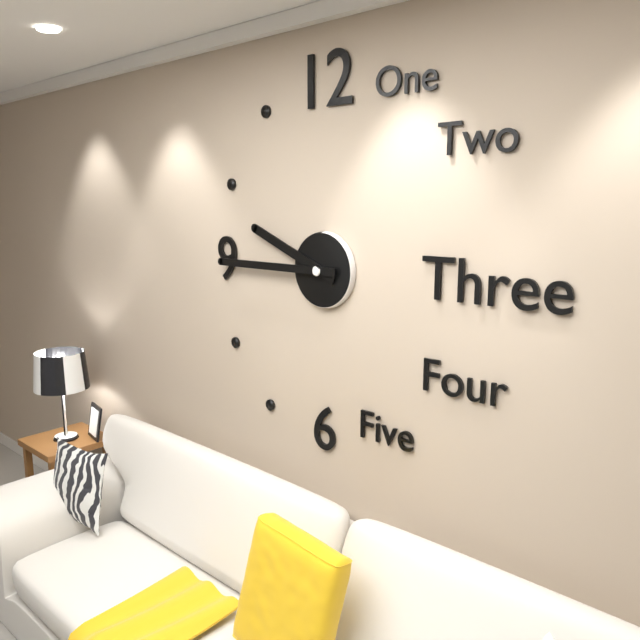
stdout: 9:45
